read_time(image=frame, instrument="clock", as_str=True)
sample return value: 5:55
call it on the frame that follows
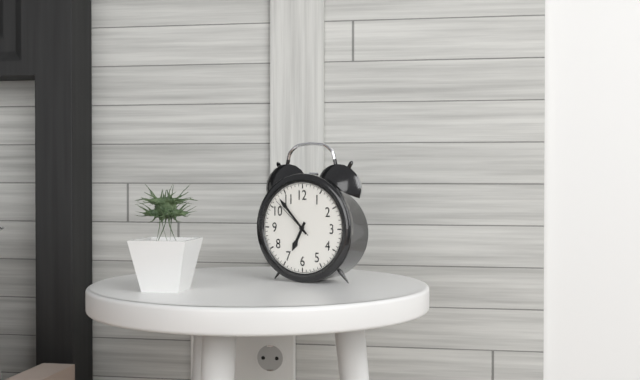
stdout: 6:53
